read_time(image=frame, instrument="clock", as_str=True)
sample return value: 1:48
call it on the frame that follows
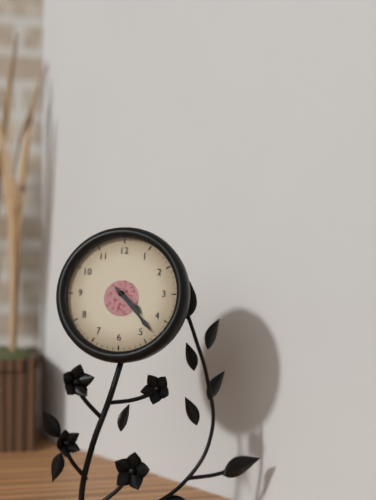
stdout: 4:23
